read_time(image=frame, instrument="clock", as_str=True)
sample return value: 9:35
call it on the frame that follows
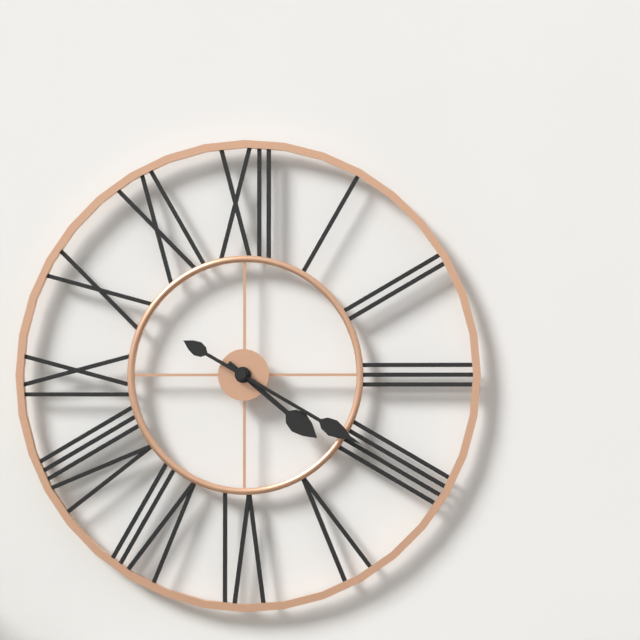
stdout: 4:20
